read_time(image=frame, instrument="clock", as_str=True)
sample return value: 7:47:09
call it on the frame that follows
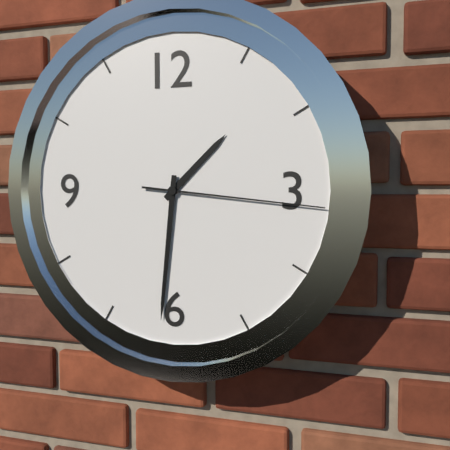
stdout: 1:31:16
